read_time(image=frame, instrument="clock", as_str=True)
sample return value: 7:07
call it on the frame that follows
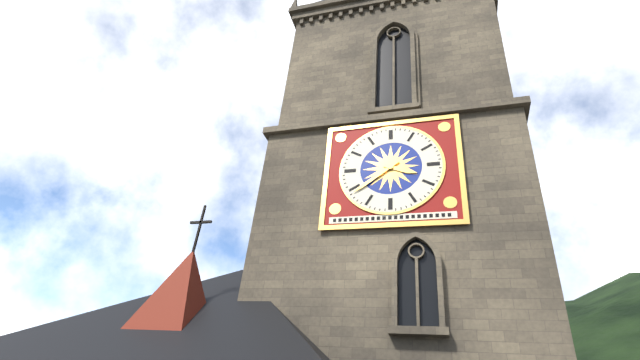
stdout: 3:39
